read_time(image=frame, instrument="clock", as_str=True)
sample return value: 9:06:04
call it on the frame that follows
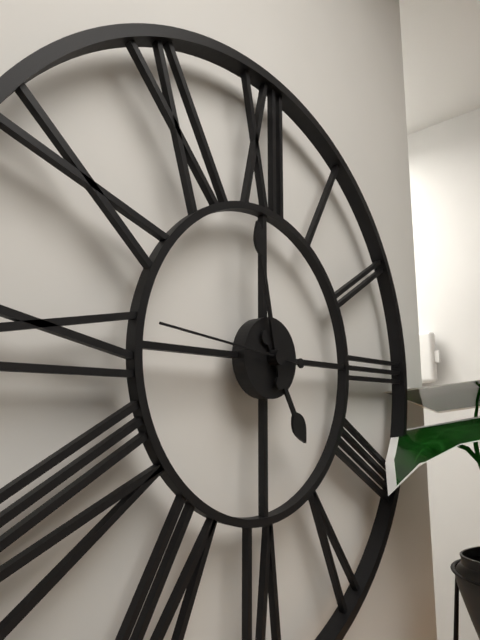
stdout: 4:58:46
